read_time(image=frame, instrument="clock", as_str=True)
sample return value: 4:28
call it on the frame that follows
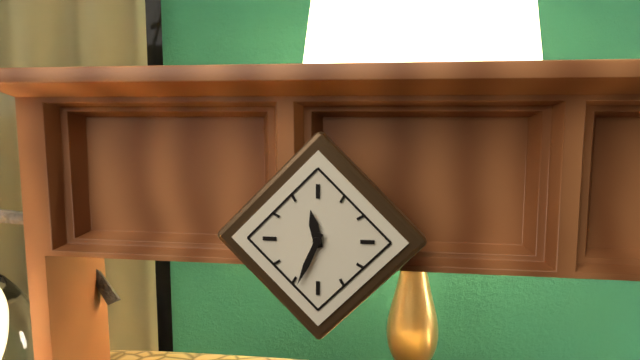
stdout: 11:34
